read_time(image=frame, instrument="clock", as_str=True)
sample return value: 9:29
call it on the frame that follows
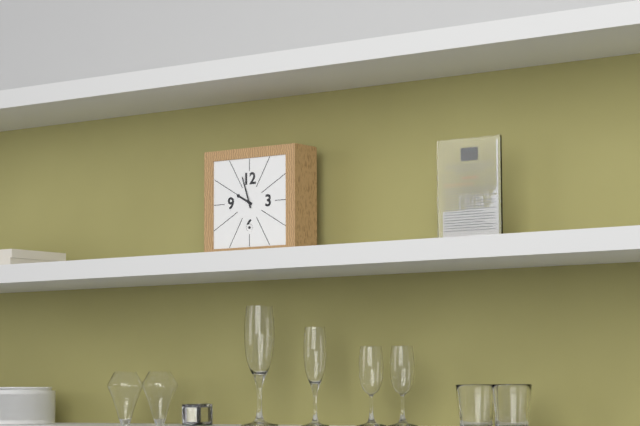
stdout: 9:57
